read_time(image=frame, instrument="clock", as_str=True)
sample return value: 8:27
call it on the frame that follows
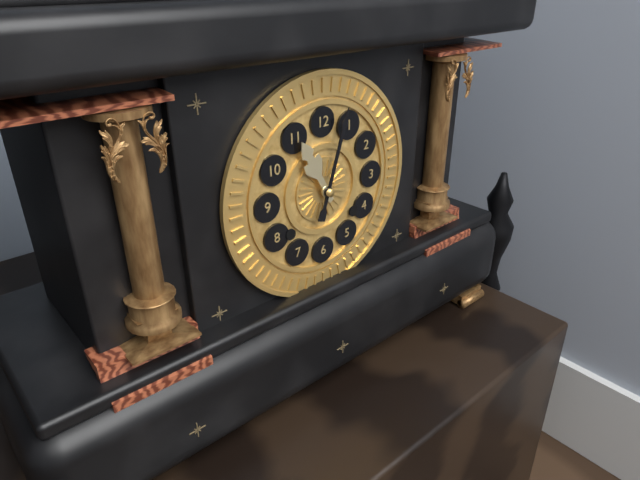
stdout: 11:03
